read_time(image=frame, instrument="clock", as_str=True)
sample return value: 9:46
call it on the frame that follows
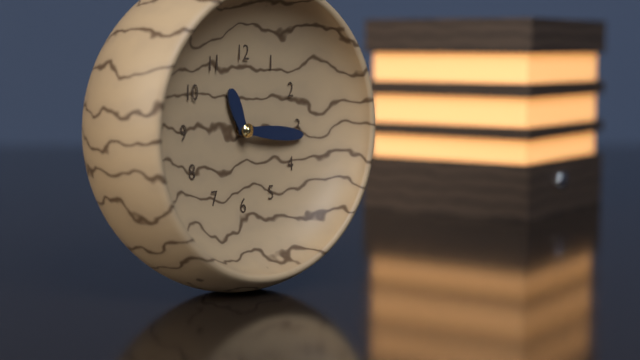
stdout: 11:16
